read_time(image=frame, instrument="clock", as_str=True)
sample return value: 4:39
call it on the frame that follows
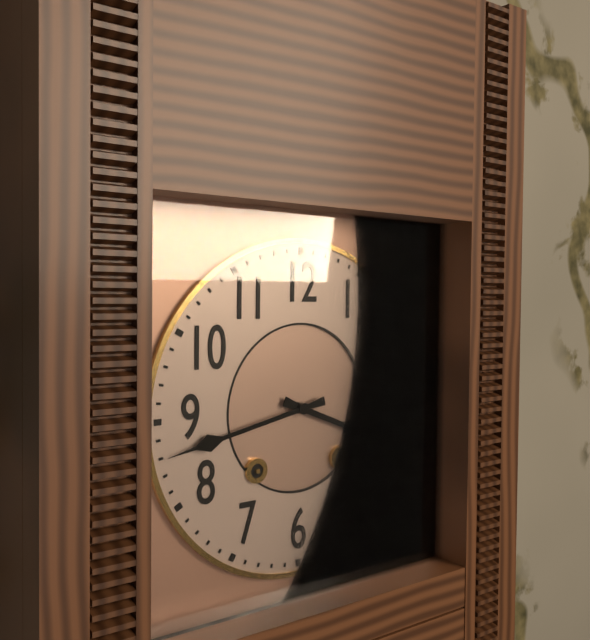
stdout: 3:43
